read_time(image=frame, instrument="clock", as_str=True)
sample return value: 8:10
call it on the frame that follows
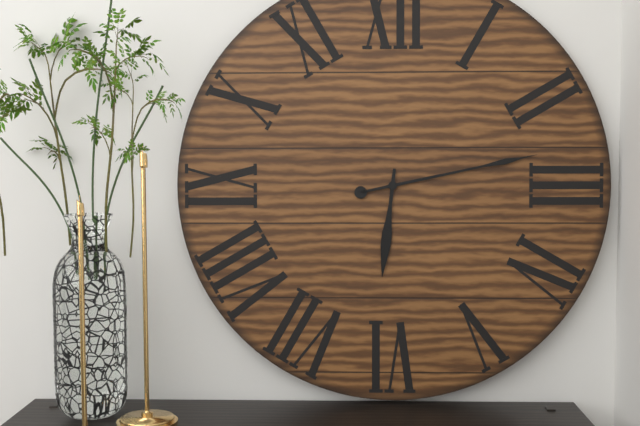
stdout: 6:13
